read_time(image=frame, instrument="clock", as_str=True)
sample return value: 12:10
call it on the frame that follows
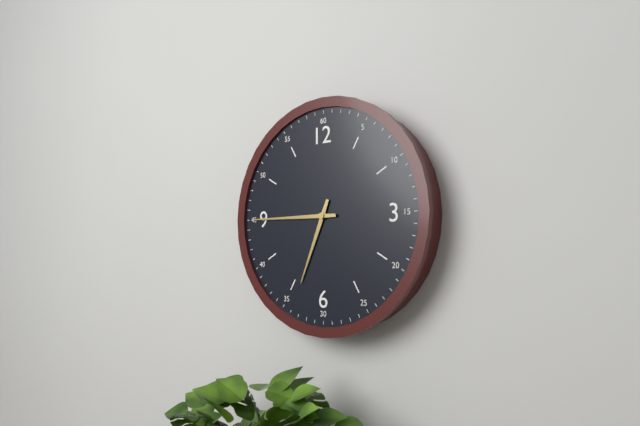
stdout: 6:45
